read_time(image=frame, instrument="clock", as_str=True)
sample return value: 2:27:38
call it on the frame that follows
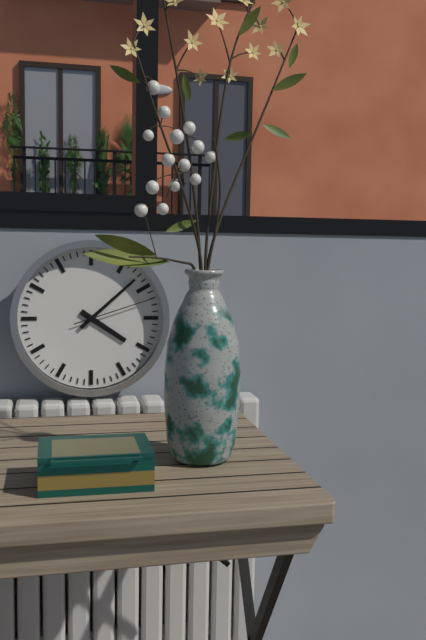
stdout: 4:08:12
